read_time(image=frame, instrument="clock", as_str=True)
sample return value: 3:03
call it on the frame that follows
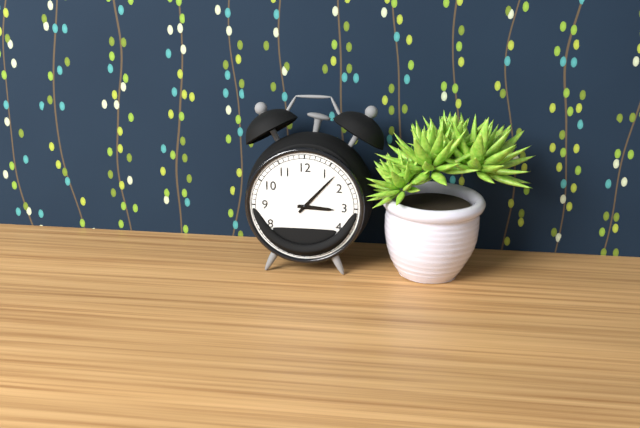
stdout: 3:07
